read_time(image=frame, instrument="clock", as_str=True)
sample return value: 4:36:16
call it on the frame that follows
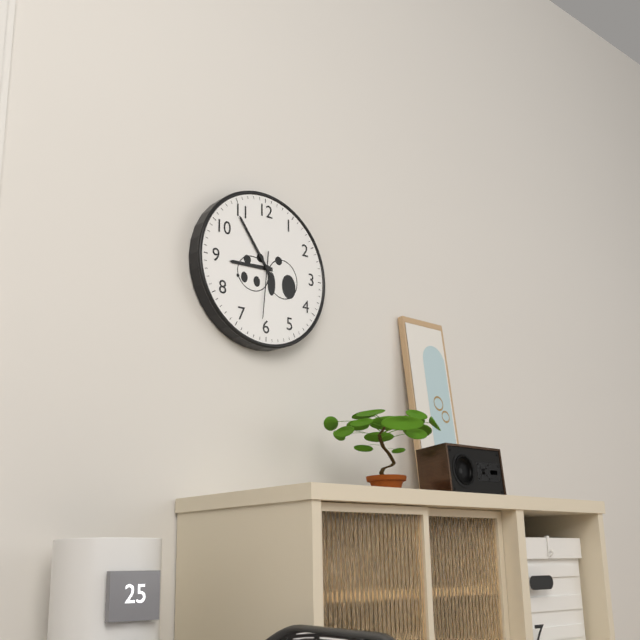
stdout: 8:54:31
